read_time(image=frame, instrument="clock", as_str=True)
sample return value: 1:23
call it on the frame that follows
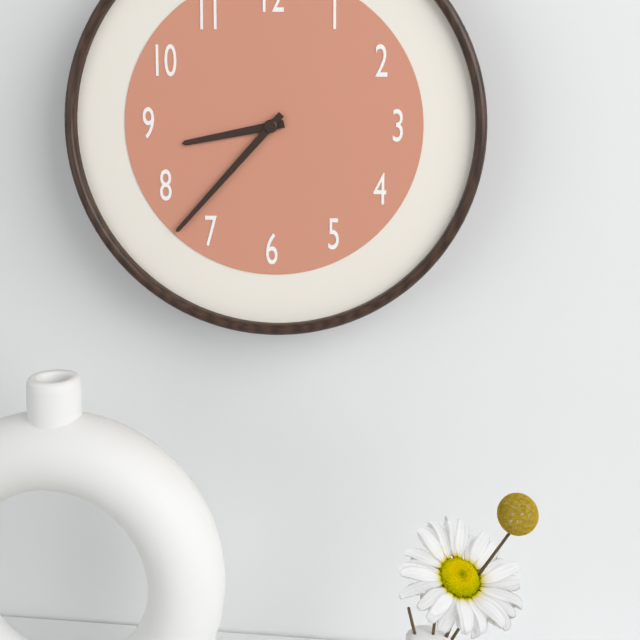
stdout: 8:37
